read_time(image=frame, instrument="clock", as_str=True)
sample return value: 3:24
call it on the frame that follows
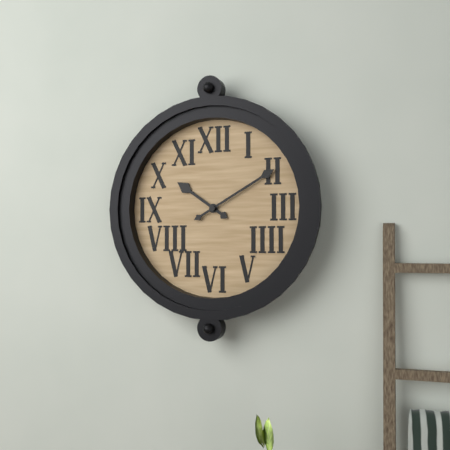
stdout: 10:10
